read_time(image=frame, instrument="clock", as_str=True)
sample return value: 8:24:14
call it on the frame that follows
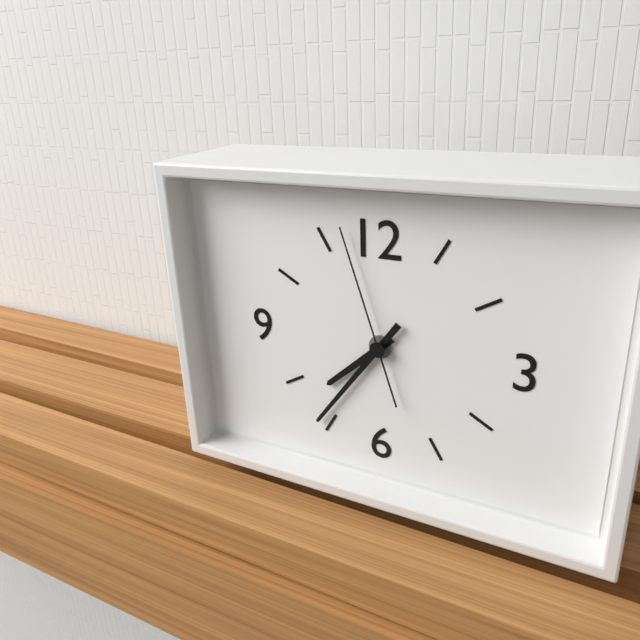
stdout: 7:36:57
